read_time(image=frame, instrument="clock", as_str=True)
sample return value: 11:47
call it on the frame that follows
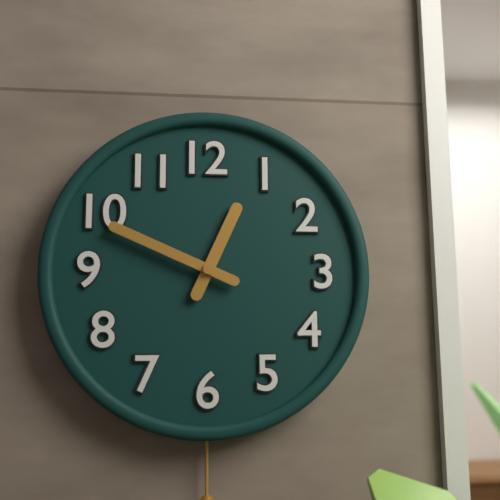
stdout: 12:49
